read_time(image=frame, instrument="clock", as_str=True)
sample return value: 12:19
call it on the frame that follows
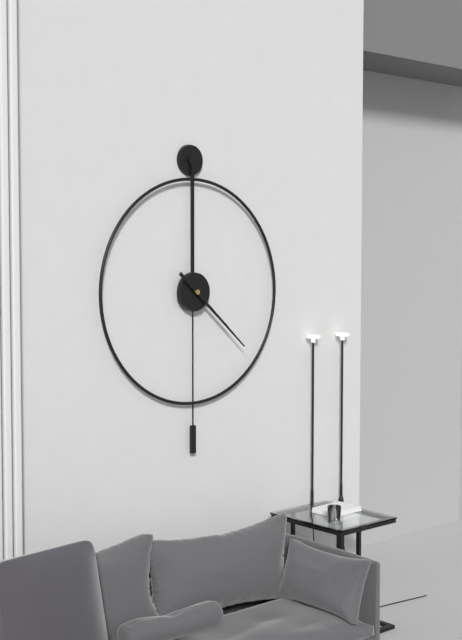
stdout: 4:22
